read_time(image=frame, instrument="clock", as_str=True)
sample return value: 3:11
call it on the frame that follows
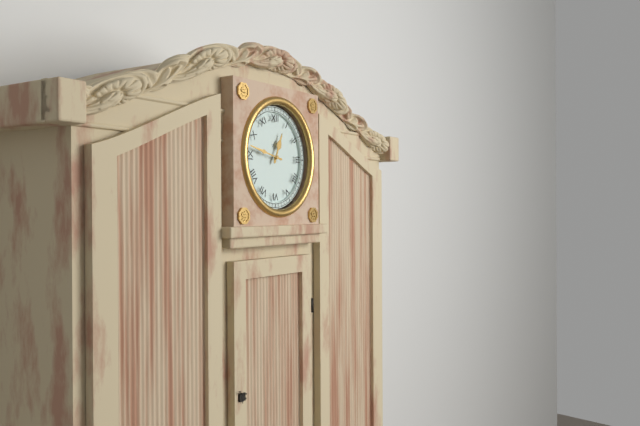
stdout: 12:47
